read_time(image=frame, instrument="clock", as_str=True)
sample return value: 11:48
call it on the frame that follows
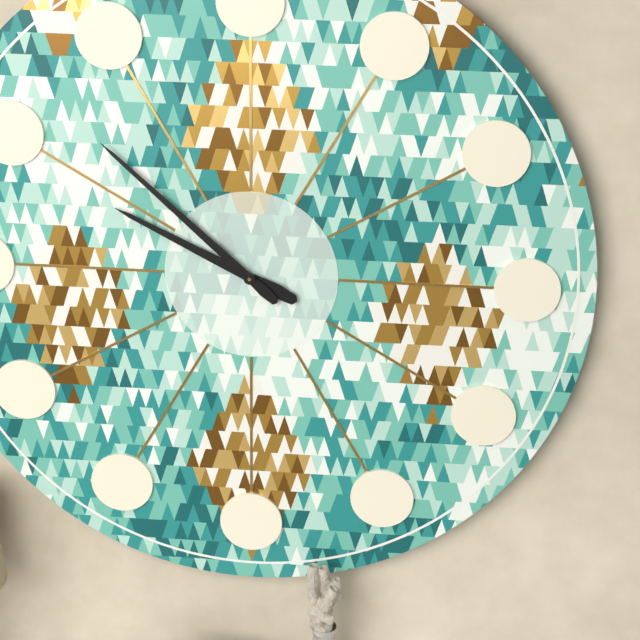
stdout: 9:52
